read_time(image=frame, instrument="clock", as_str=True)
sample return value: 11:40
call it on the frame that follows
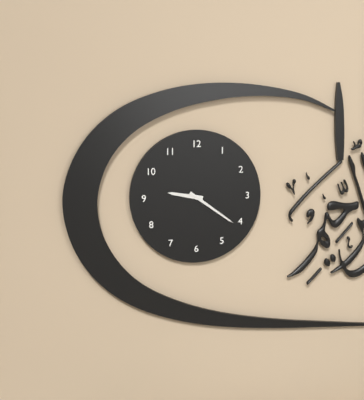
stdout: 9:21
